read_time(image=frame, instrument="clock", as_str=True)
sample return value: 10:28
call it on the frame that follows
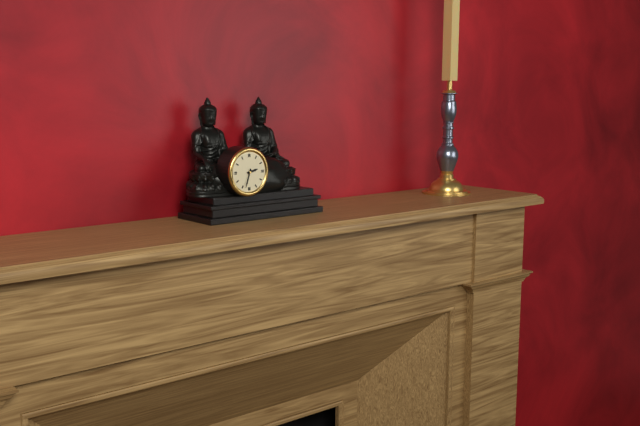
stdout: 2:33
